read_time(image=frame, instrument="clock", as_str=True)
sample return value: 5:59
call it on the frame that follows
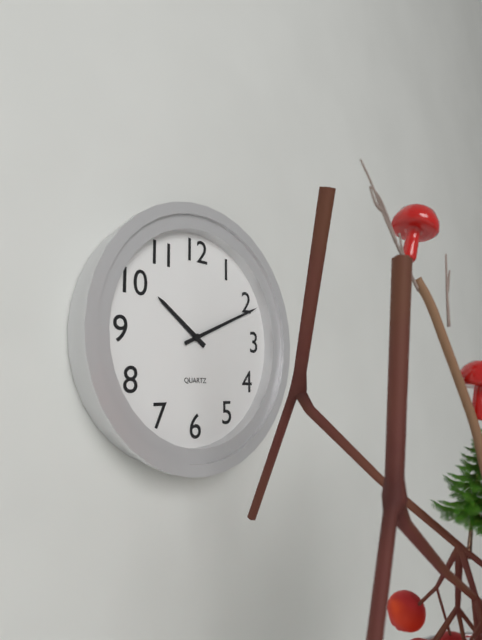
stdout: 10:11
